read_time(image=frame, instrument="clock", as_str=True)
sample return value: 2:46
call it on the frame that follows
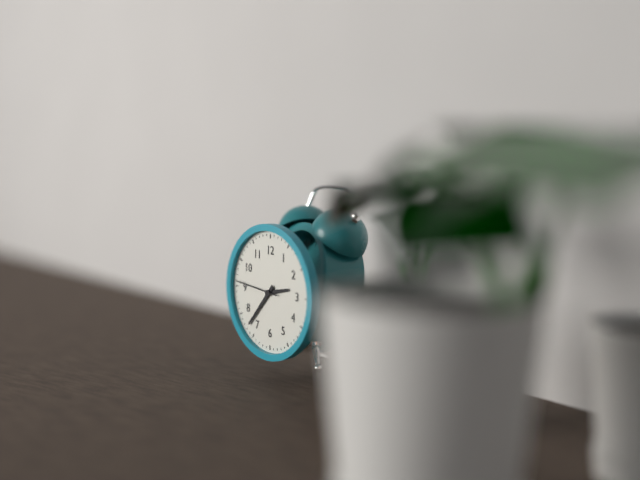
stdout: 2:37
